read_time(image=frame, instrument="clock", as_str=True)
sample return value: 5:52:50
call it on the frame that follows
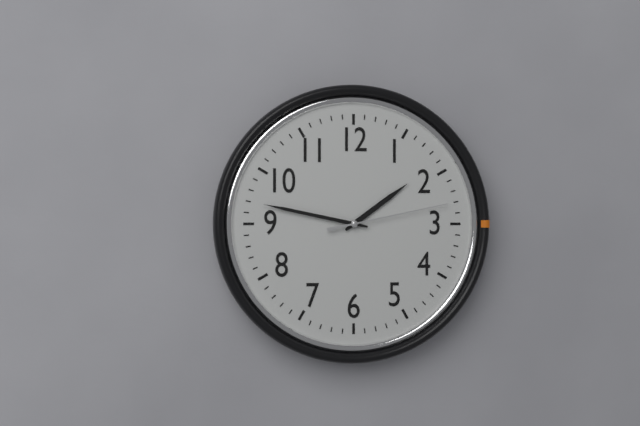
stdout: 1:47:13
